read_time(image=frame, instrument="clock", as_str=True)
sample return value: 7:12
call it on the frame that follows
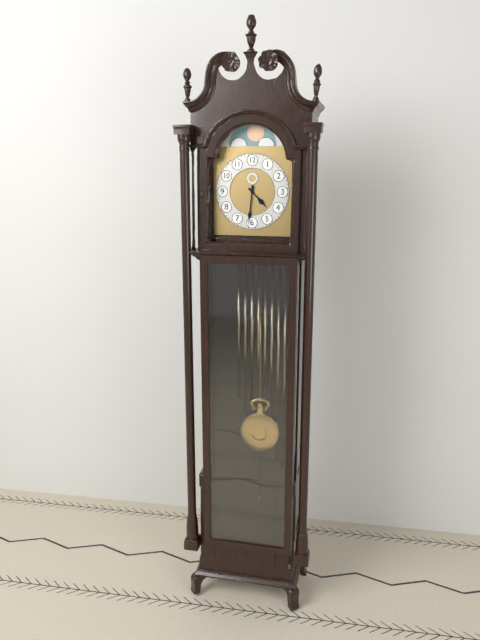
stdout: 4:31
